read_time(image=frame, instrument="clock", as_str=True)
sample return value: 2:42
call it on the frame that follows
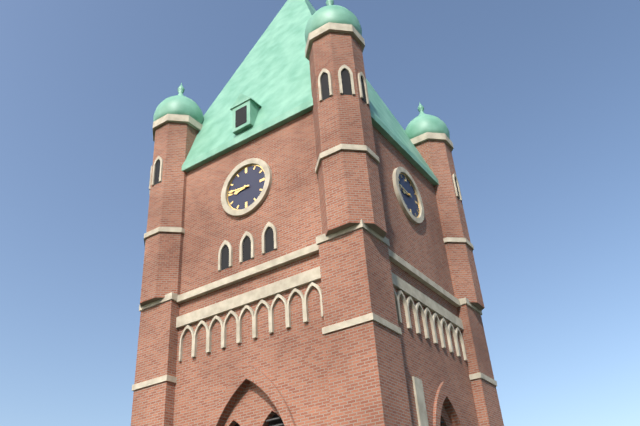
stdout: 8:46
